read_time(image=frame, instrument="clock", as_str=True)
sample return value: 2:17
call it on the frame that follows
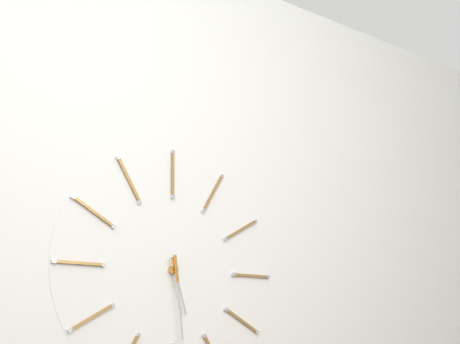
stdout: 5:29
